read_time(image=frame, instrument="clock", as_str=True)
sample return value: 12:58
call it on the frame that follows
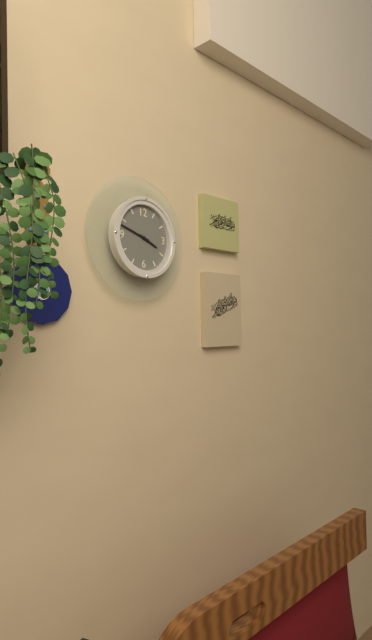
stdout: 3:48
